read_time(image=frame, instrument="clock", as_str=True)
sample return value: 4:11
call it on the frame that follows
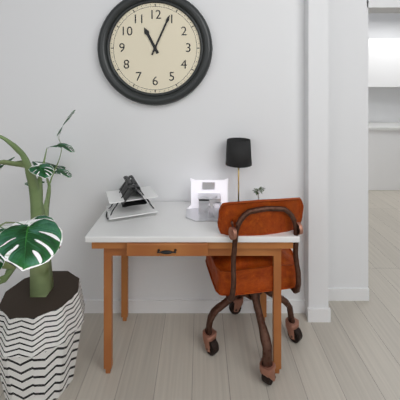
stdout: 11:04
